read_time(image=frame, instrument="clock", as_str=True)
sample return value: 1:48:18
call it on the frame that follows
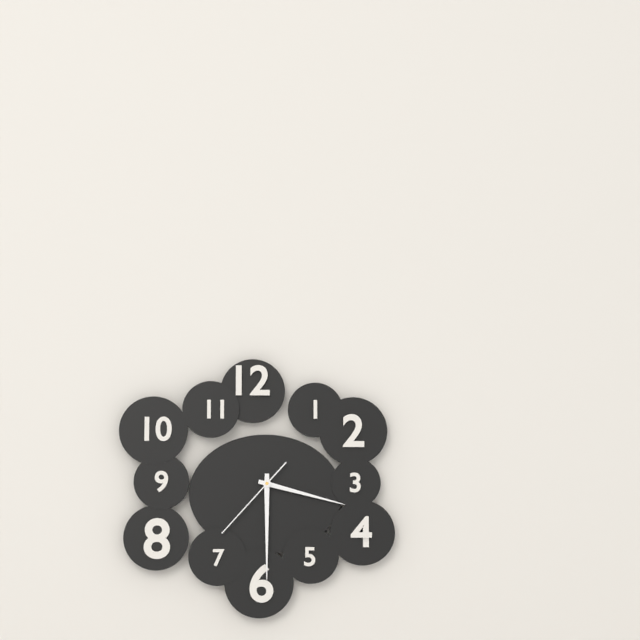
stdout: 3:30:37
